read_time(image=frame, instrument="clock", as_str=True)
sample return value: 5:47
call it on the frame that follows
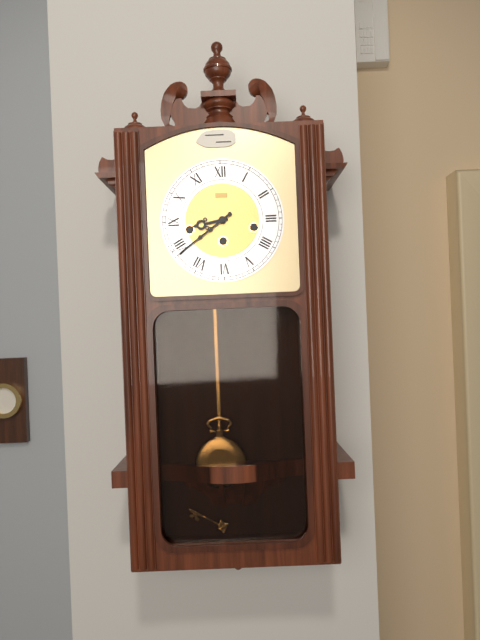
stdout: 8:39
